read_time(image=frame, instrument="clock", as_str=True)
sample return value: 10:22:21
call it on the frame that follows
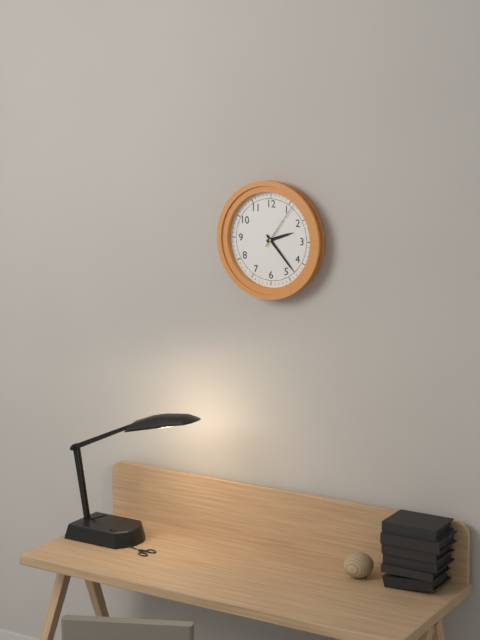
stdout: 2:23:06
